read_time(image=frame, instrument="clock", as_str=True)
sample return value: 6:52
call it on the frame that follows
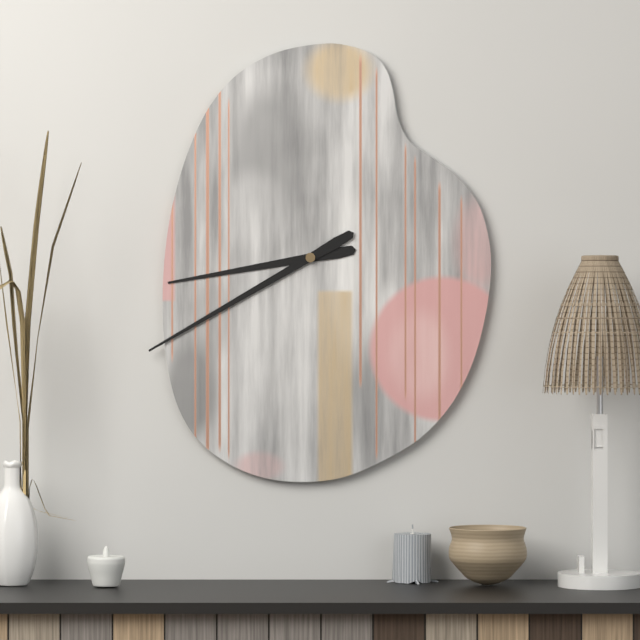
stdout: 8:40
